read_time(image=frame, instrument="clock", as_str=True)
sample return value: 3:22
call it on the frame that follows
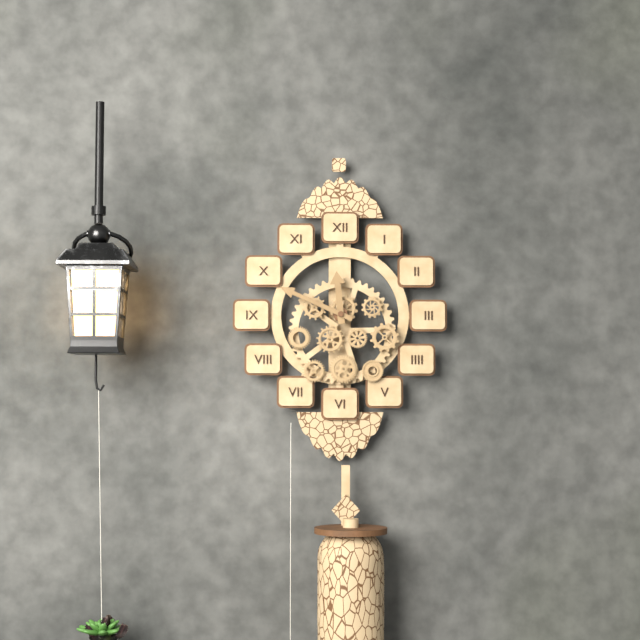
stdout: 11:49
